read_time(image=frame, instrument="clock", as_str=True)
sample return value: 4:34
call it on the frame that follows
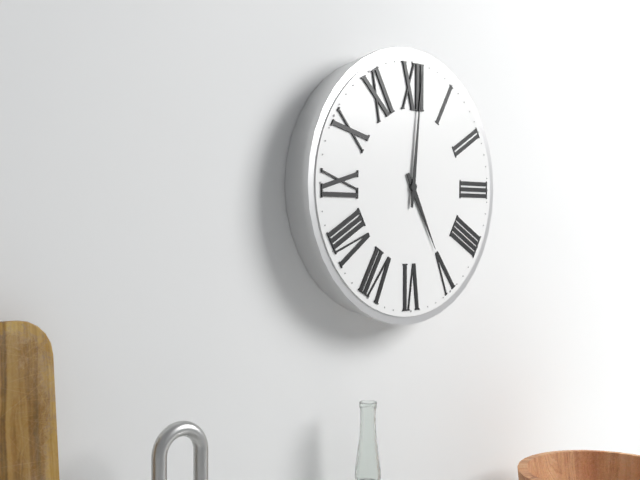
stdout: 5:01
